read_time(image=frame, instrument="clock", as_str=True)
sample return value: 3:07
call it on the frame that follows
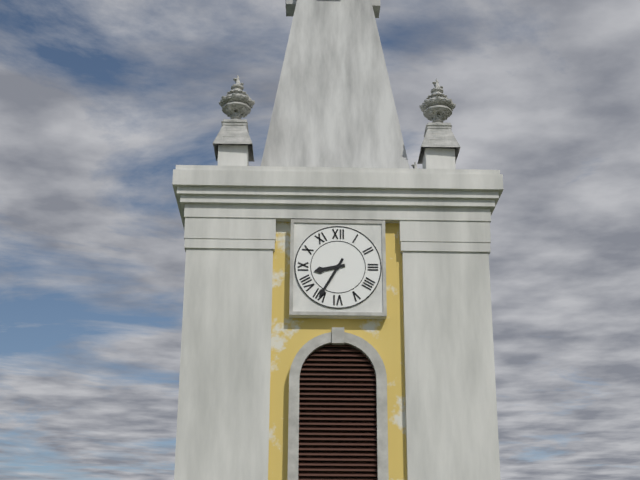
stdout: 8:35
